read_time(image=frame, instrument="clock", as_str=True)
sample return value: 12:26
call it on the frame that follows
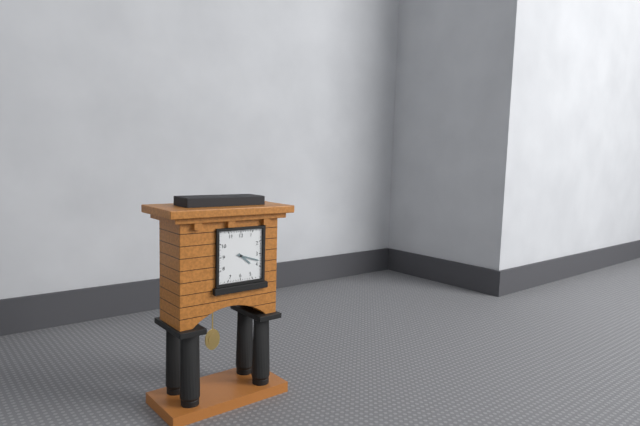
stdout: 4:18
